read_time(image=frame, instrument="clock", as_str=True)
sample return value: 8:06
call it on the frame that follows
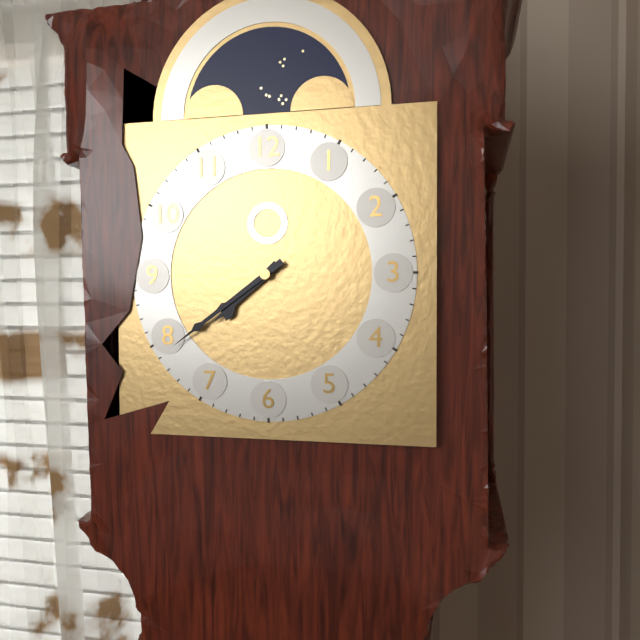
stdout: 7:39
